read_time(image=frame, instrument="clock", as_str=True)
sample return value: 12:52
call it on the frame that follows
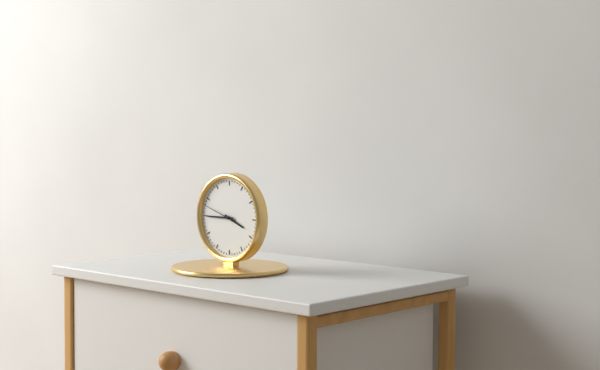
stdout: 3:45
